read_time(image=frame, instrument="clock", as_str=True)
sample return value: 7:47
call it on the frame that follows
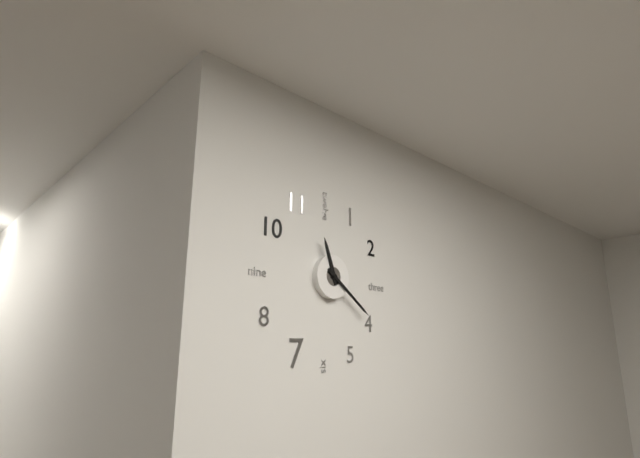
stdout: 11:21
